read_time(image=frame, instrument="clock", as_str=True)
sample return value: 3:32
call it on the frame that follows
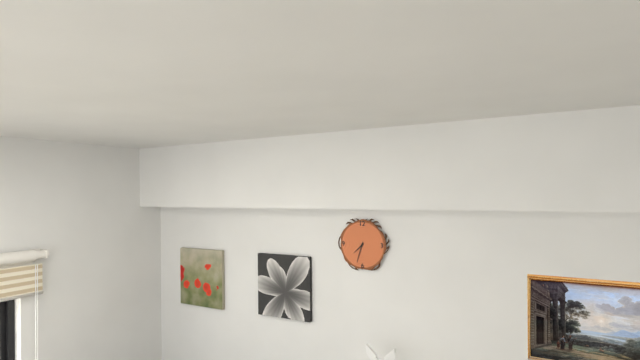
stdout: 7:33
